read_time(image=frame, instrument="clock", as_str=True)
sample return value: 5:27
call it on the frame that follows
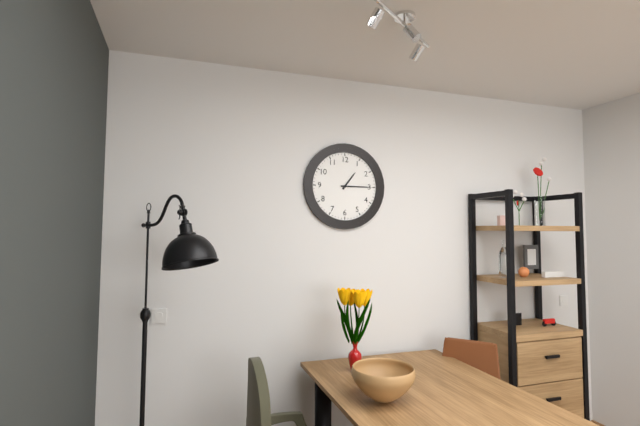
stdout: 1:15
